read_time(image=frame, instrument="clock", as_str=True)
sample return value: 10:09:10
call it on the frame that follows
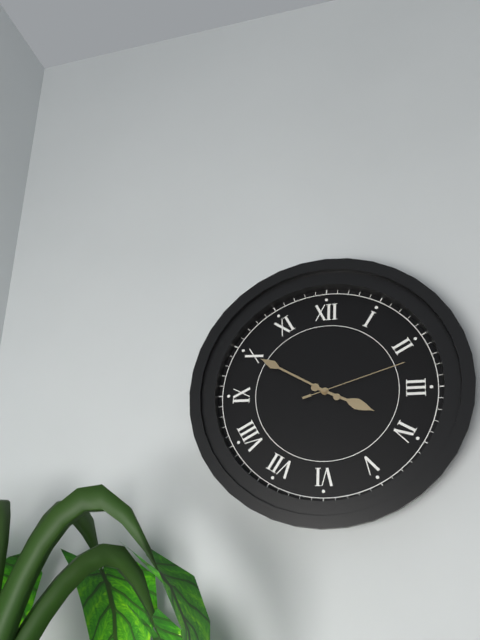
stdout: 3:50:12
